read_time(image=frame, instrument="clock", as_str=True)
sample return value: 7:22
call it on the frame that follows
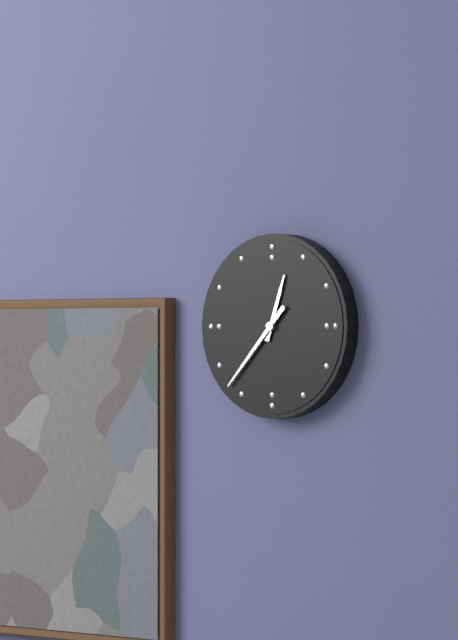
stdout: 12:37
